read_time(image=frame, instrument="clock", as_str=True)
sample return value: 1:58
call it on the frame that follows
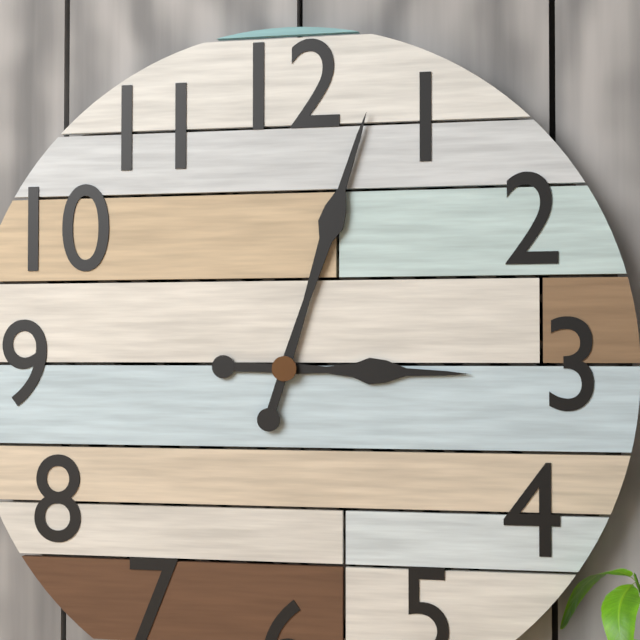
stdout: 3:03
